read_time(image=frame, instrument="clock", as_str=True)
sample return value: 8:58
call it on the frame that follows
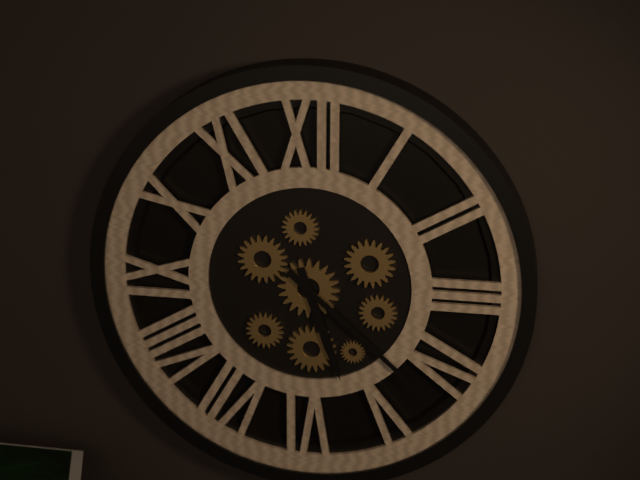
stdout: 5:22
